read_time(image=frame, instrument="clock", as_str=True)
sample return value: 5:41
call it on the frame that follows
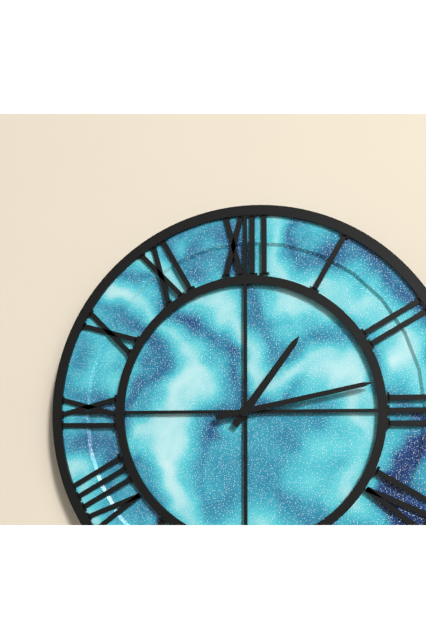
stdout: 1:13
